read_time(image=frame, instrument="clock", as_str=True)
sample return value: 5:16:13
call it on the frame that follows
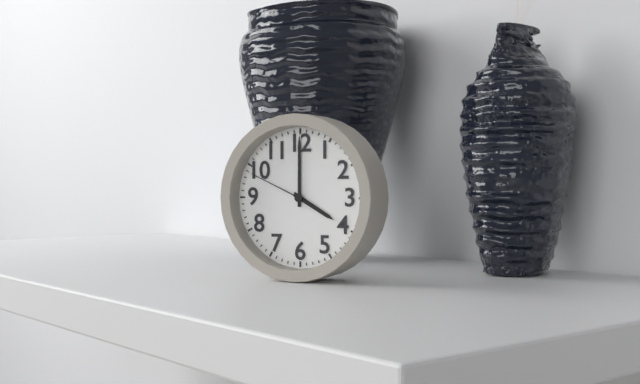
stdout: 4:00:49
